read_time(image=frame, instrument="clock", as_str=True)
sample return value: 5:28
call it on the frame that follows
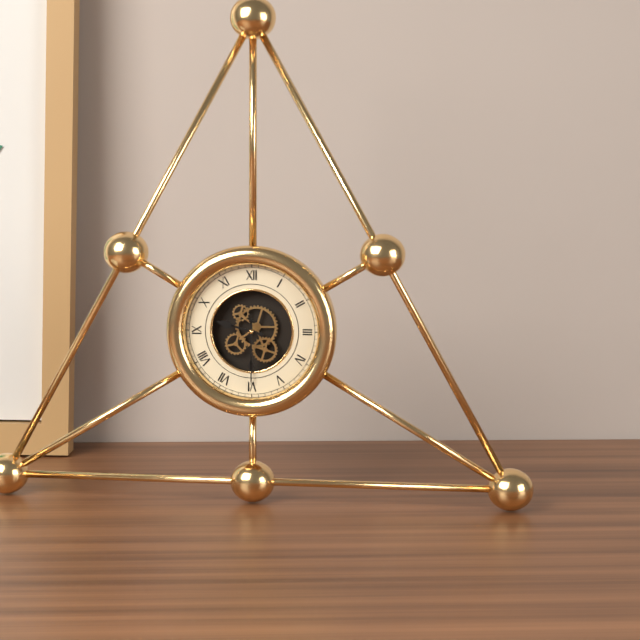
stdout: 9:30
